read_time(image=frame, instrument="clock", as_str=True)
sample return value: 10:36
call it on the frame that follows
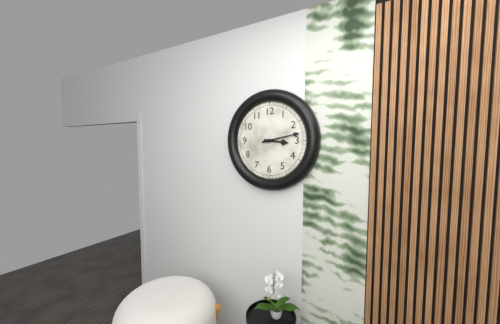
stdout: 3:13
